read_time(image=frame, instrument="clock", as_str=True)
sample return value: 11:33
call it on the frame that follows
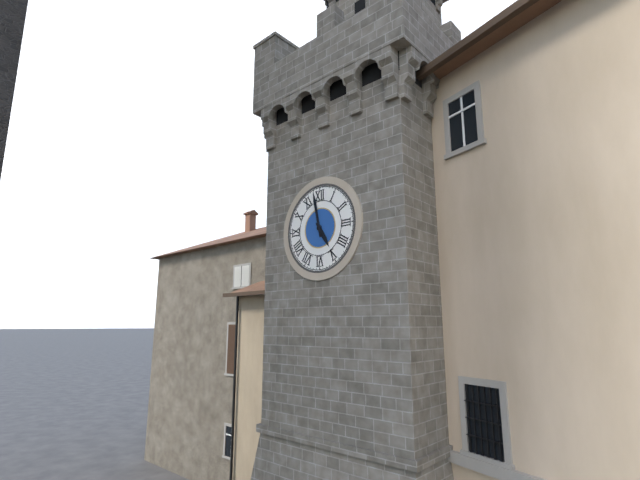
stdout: 4:58
